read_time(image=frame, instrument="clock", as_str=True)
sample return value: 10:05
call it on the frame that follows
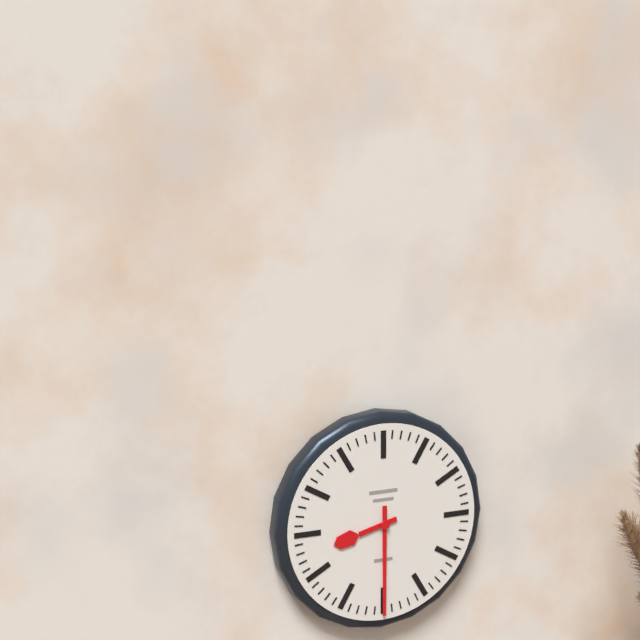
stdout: 8:30
